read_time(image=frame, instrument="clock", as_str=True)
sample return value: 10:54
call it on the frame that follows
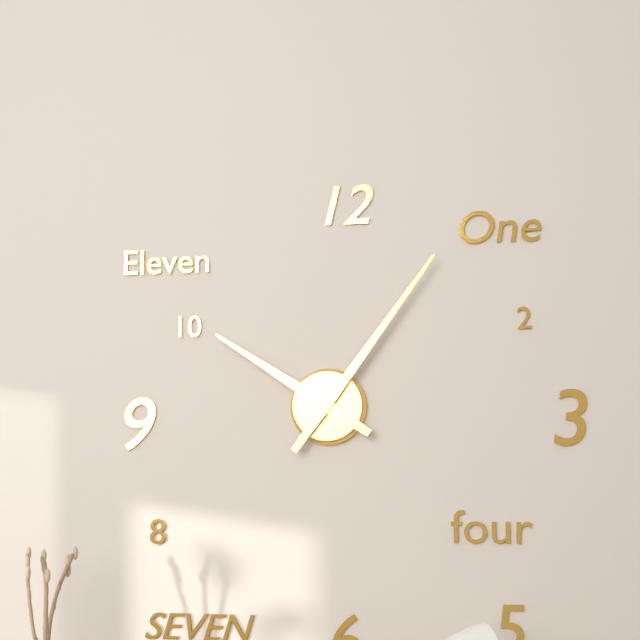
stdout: 10:06
